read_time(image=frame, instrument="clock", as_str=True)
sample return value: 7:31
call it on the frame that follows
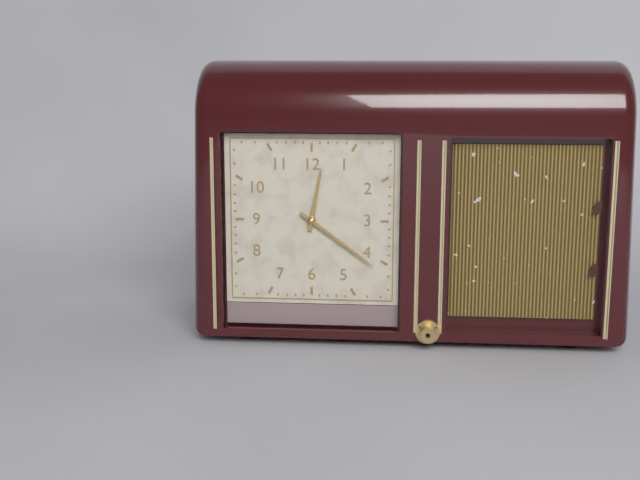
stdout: 12:21
